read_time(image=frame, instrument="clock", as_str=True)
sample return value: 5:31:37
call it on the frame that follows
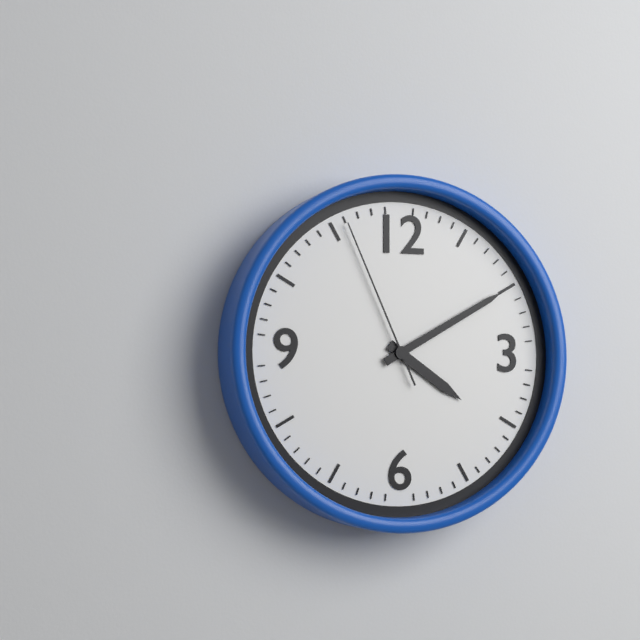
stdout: 4:10:56
